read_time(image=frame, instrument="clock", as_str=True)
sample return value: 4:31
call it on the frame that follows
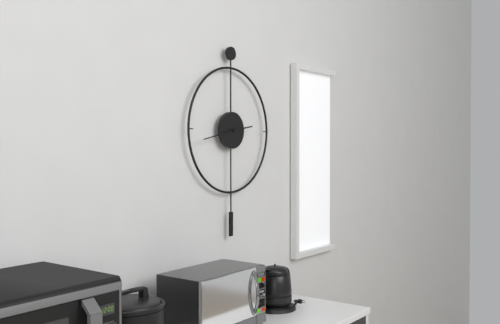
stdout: 2:43
